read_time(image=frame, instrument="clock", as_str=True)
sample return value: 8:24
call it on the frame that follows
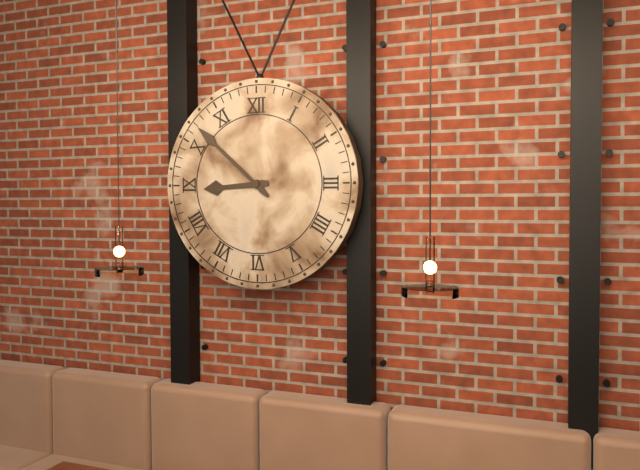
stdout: 8:52
